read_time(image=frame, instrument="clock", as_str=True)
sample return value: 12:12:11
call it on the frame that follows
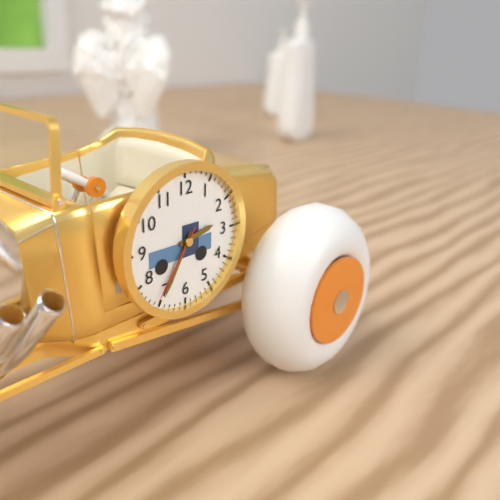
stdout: 2:35:36
